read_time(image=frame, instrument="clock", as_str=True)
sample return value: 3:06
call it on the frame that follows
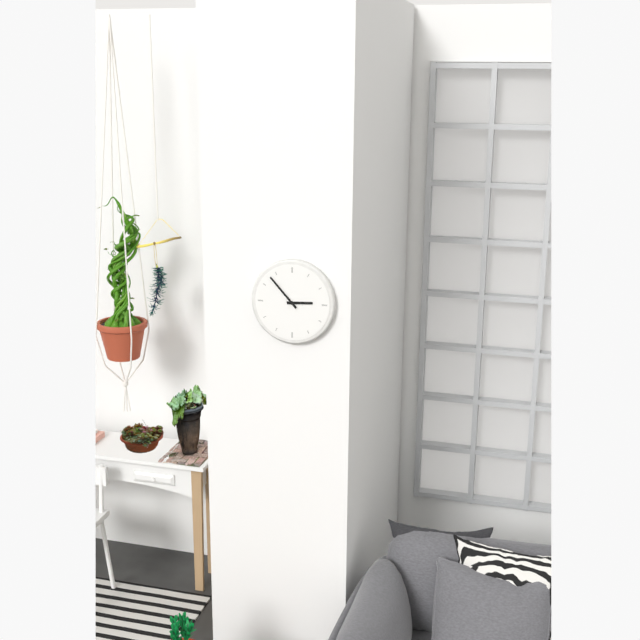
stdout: 2:53
